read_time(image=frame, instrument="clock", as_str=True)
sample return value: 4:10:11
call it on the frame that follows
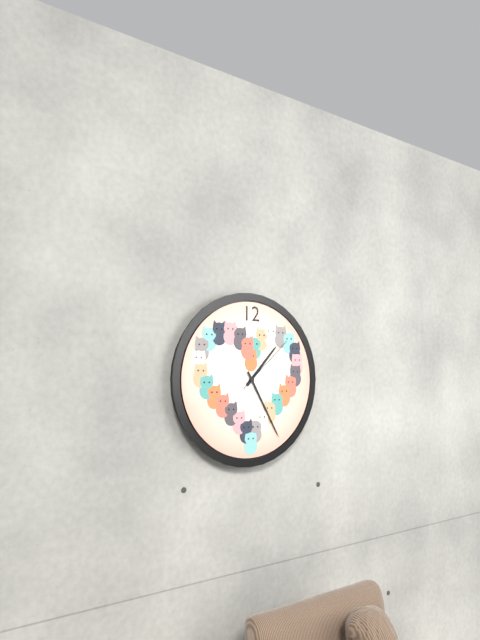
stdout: 1:25:08
